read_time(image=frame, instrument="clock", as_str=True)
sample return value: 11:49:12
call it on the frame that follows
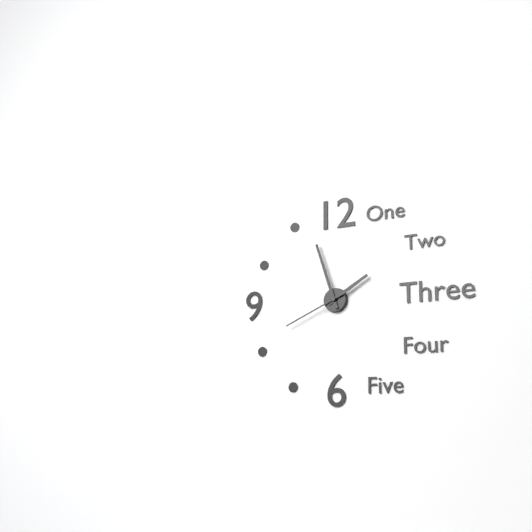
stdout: 1:57:41
